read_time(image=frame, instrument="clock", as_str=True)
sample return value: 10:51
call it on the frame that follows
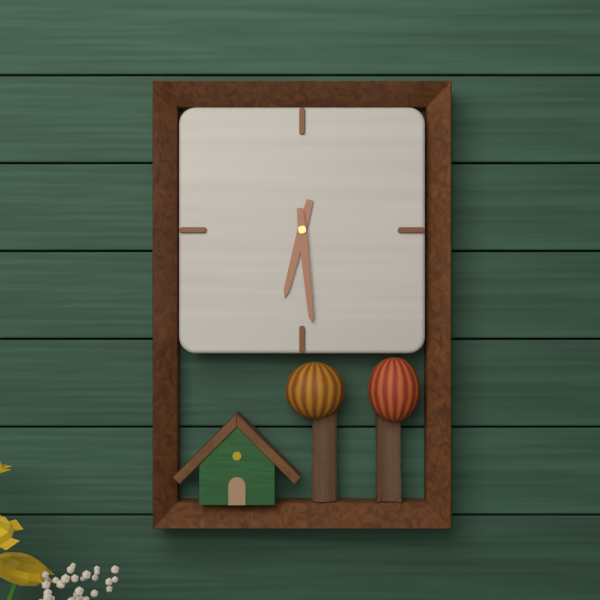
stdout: 6:29
